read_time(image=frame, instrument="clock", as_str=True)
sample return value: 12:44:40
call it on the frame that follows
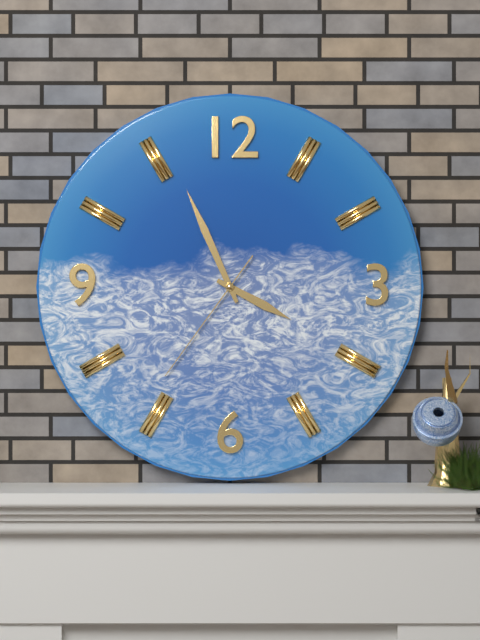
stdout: 3:56:36
